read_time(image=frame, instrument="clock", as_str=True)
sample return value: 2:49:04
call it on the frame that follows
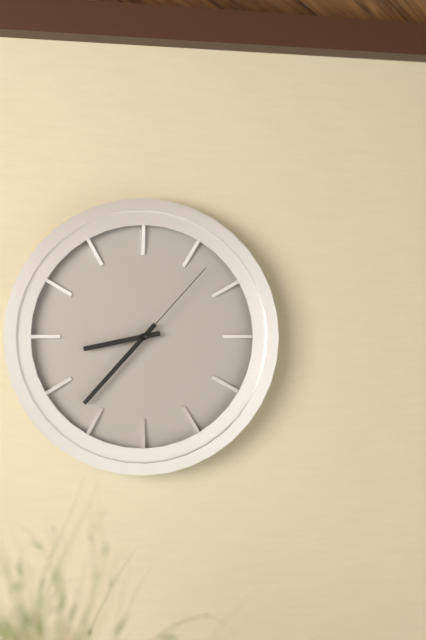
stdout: 8:37:07
